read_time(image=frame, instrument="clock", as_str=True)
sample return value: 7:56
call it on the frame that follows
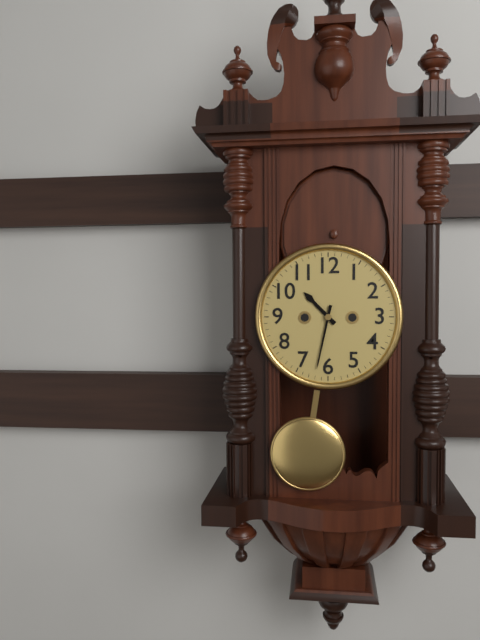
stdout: 10:32
